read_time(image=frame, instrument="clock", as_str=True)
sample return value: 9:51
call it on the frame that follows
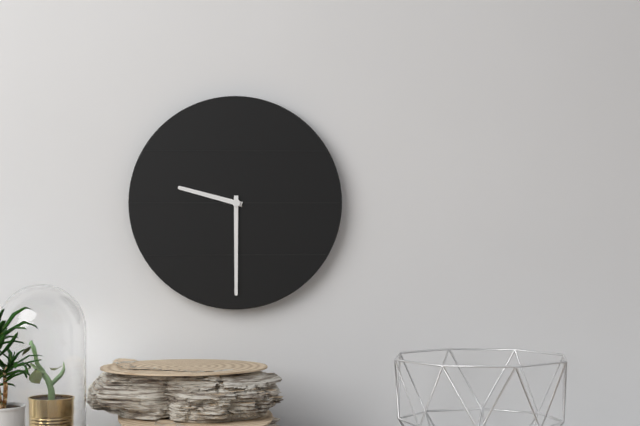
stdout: 9:30
